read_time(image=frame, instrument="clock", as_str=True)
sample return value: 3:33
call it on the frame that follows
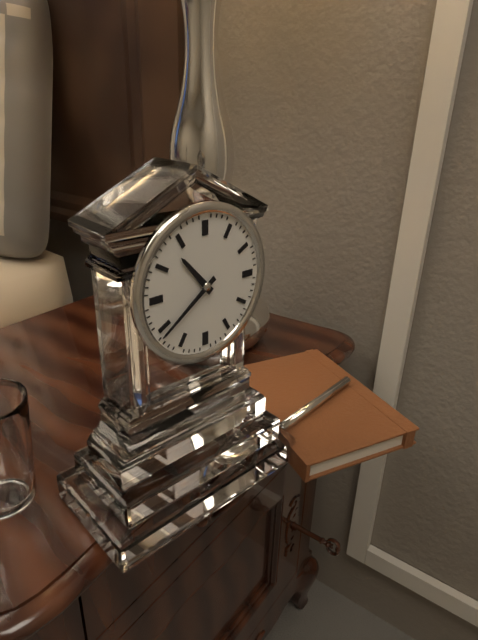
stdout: 10:39
